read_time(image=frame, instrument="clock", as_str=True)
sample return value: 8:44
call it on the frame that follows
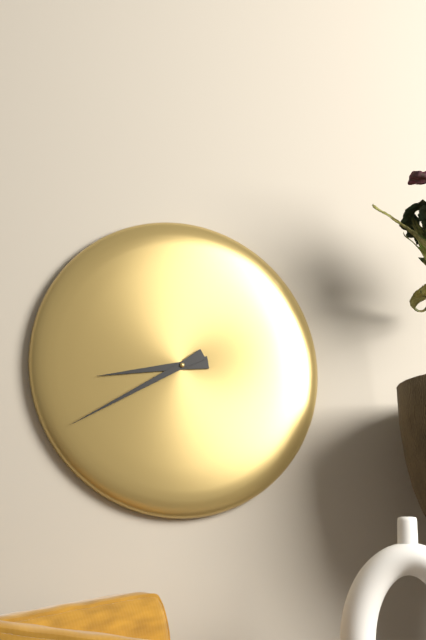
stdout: 8:40
